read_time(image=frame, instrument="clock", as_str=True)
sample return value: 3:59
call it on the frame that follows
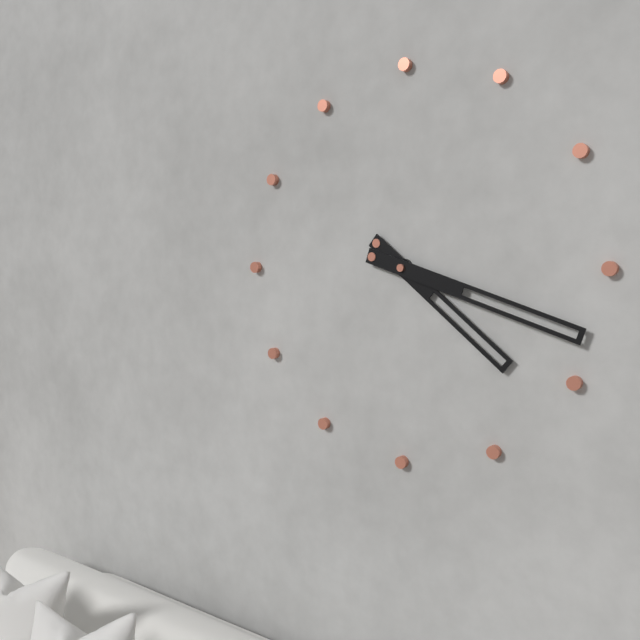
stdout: 4:18
